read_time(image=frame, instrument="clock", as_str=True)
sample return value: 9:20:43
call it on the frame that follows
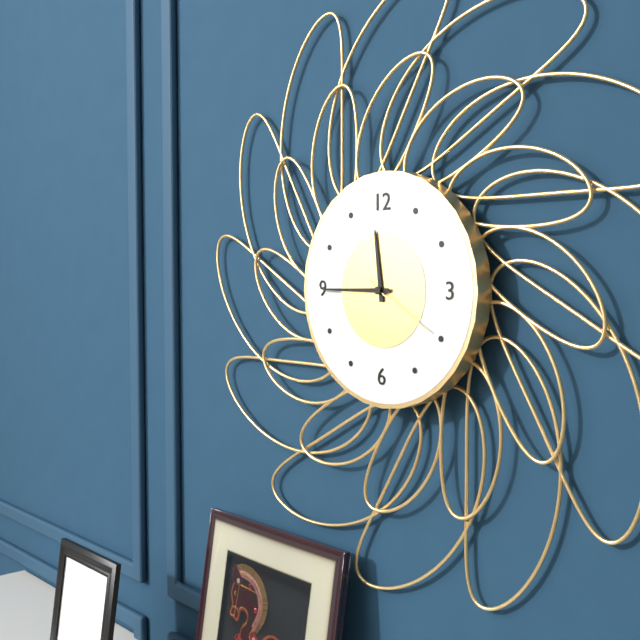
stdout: 11:45:20
